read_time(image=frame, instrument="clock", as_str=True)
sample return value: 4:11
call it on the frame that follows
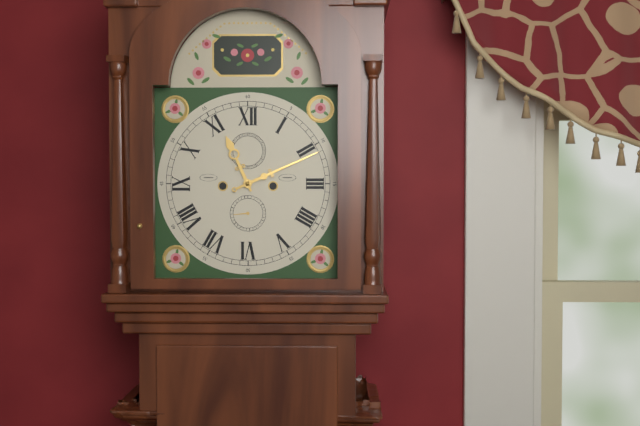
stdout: 11:11
